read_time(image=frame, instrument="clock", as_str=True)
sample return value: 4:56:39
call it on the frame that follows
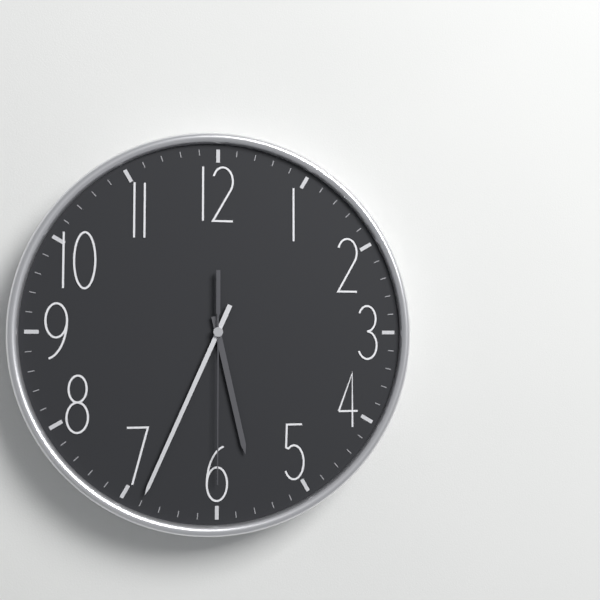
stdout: 5:34:30
